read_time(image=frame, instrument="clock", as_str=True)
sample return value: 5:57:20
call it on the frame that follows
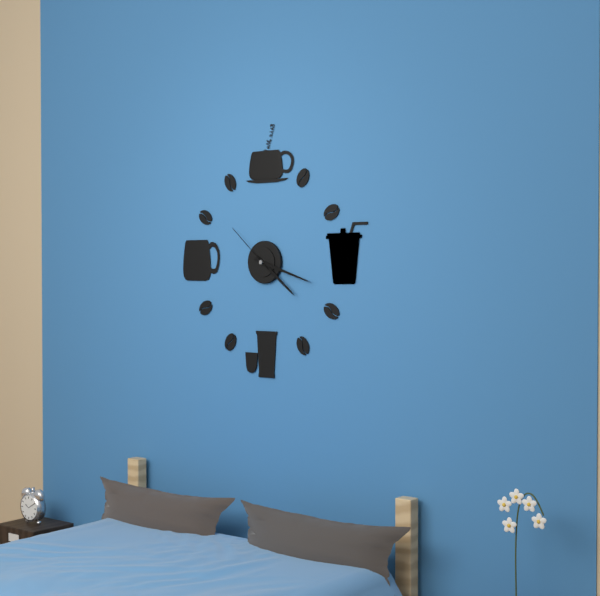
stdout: 4:18:52
